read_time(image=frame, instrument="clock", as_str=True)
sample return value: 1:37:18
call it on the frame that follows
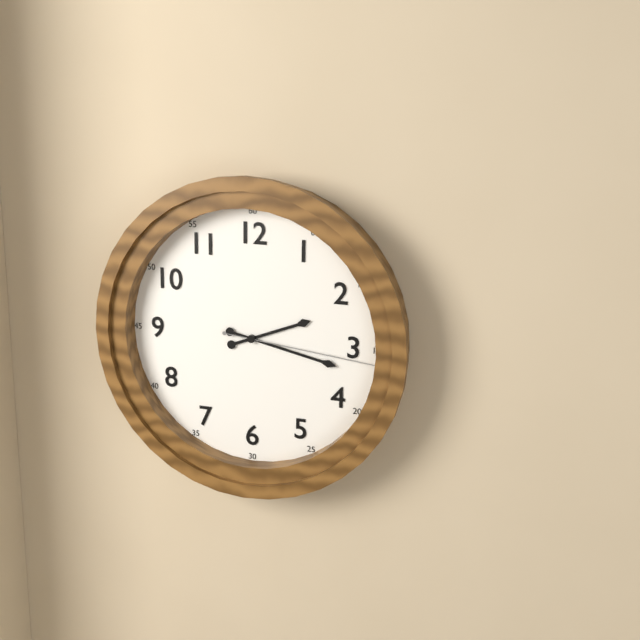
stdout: 2:17:16
